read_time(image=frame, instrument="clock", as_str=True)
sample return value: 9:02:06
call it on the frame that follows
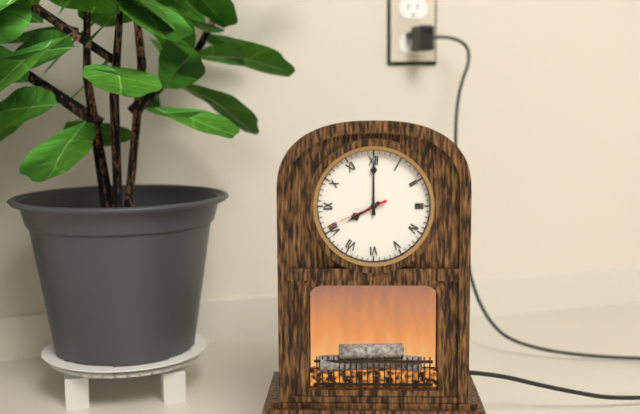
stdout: 8:00:41
